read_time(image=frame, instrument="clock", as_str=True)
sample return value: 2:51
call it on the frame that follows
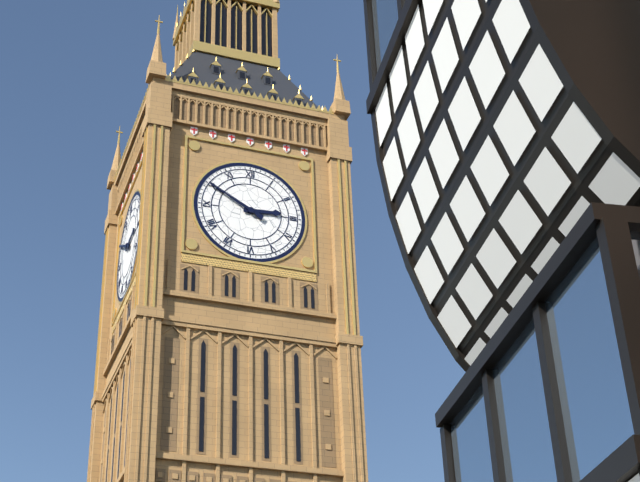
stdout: 2:50
